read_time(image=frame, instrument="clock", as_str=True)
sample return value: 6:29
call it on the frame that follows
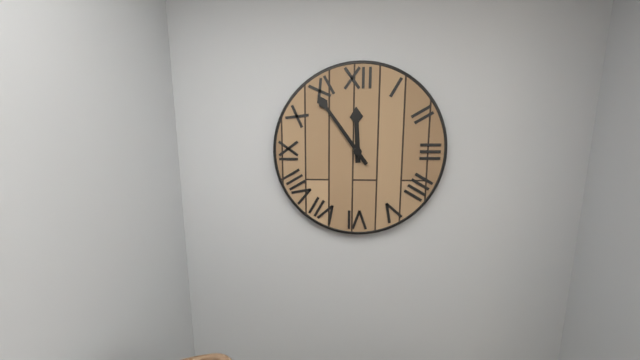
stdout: 11:54
